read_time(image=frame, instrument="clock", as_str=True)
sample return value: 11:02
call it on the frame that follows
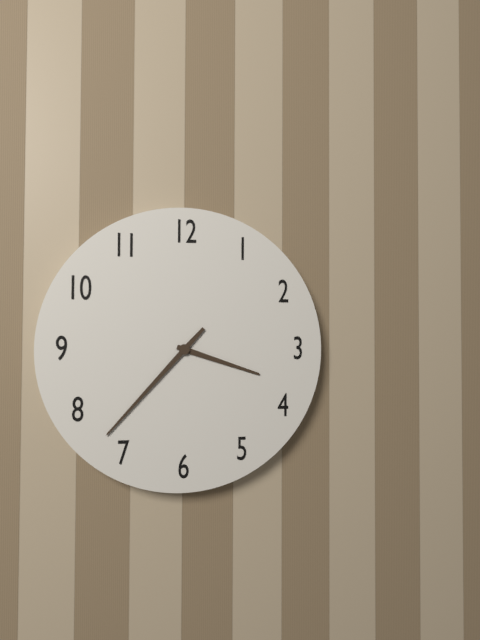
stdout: 3:37
